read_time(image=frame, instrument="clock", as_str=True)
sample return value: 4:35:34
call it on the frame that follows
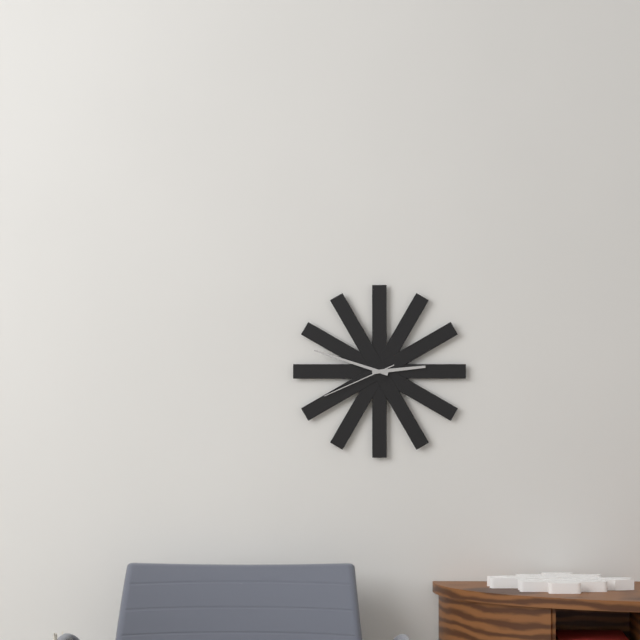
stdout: 2:48:41
